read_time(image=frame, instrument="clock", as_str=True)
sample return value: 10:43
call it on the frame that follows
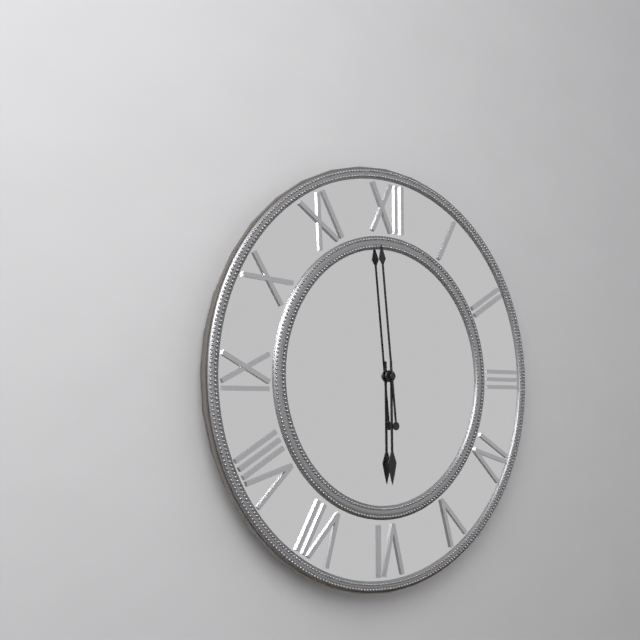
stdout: 5:59
